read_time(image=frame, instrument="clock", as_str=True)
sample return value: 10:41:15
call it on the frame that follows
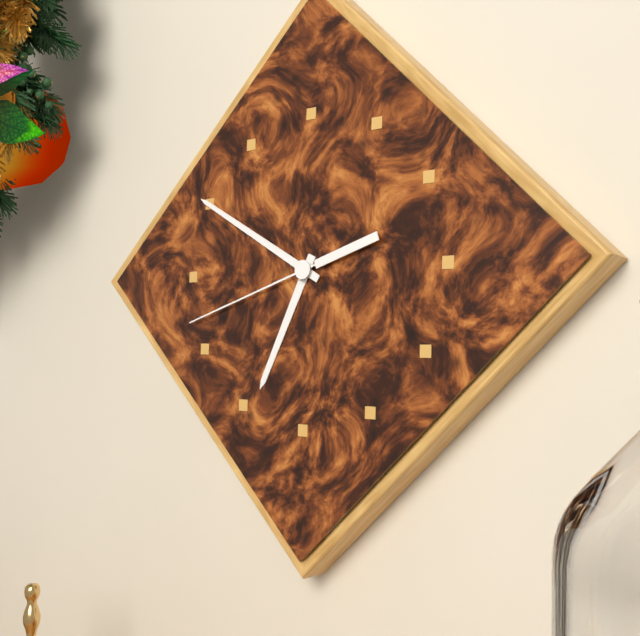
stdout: 6:50:42
